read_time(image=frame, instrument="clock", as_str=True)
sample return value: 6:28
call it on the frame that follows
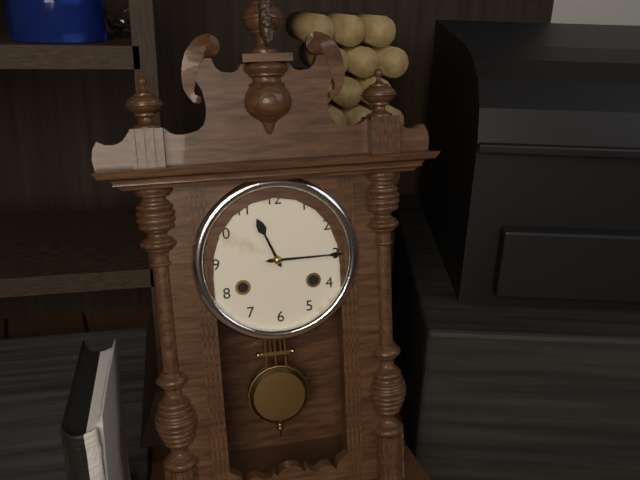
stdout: 11:15
